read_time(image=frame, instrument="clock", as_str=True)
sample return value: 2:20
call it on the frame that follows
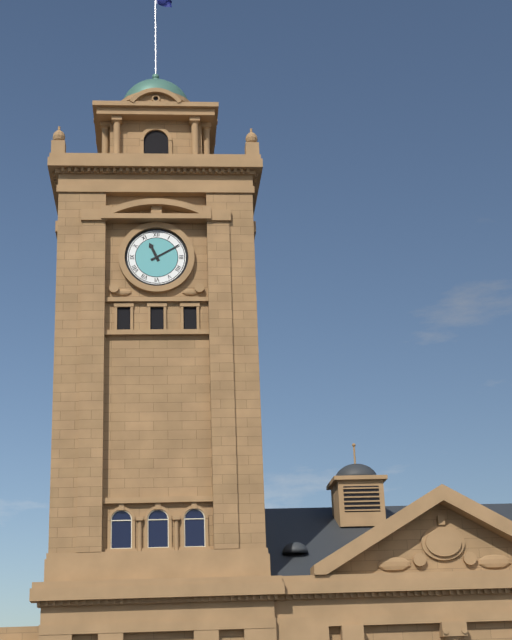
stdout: 11:10
